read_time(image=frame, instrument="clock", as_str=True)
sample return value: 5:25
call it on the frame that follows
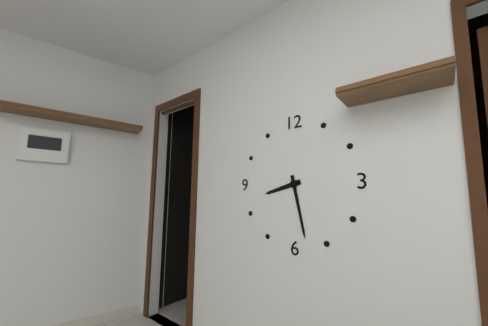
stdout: 8:28
